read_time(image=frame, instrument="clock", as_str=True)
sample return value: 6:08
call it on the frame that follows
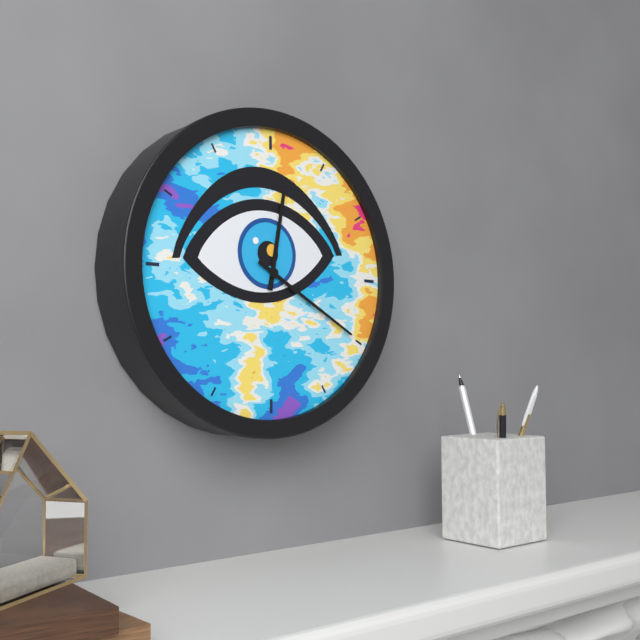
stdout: 12:20
